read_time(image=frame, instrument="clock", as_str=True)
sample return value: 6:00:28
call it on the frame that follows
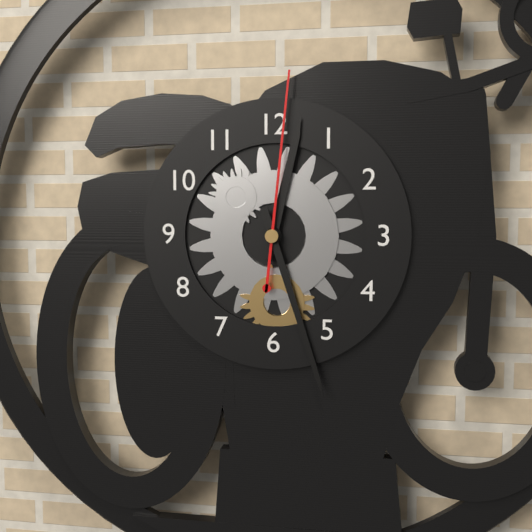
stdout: 12:27:01
